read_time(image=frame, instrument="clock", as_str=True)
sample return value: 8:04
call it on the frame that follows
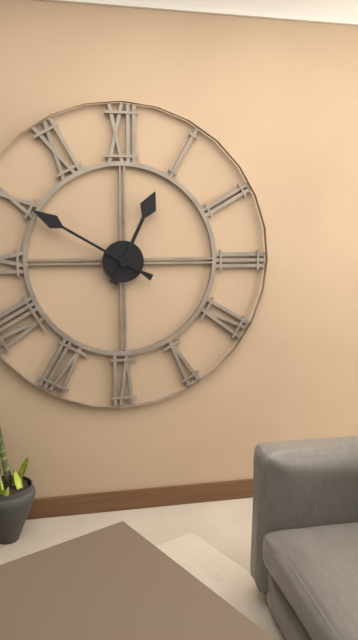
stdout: 12:50
